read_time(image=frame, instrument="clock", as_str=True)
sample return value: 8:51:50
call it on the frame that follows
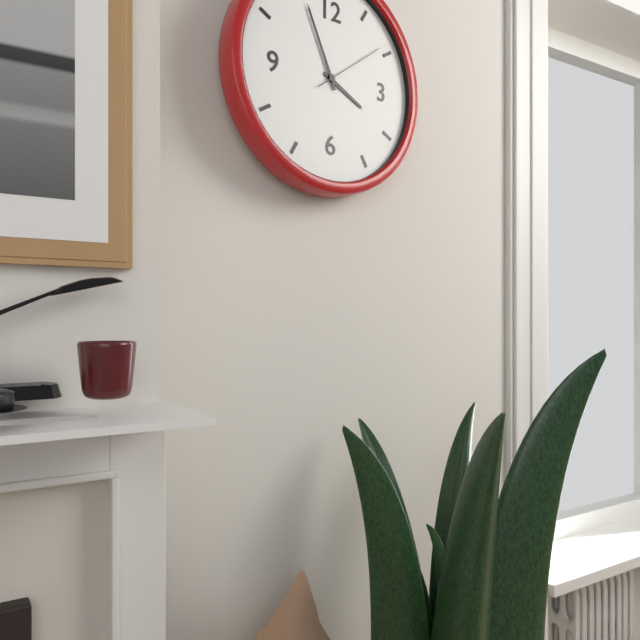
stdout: 3:56:09
